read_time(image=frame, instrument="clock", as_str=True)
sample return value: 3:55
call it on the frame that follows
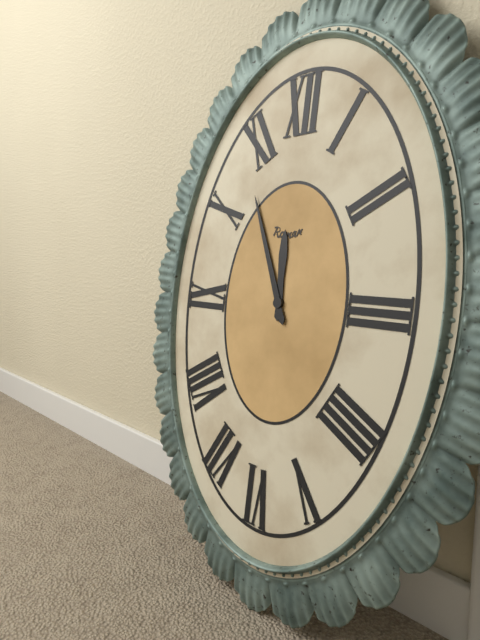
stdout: 11:56
